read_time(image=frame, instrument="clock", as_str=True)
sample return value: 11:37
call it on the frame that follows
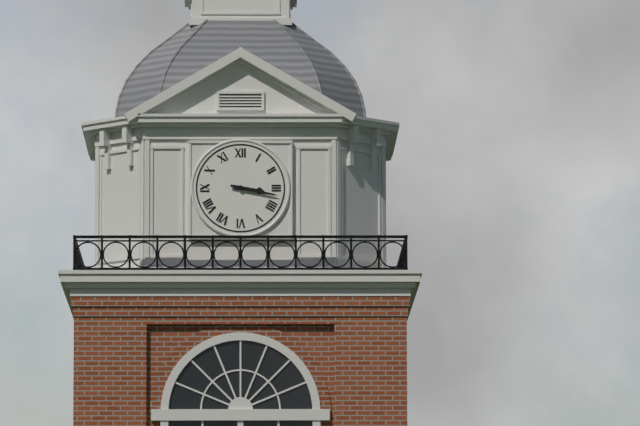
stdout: 3:17
